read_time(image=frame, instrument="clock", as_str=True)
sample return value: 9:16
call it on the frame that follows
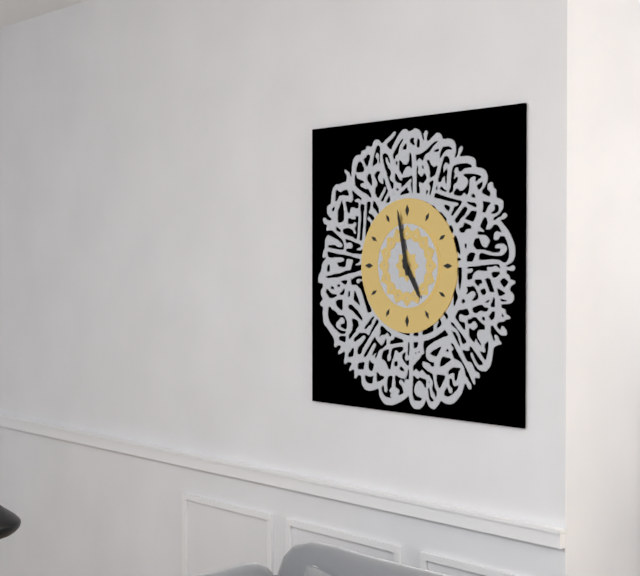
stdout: 4:58
